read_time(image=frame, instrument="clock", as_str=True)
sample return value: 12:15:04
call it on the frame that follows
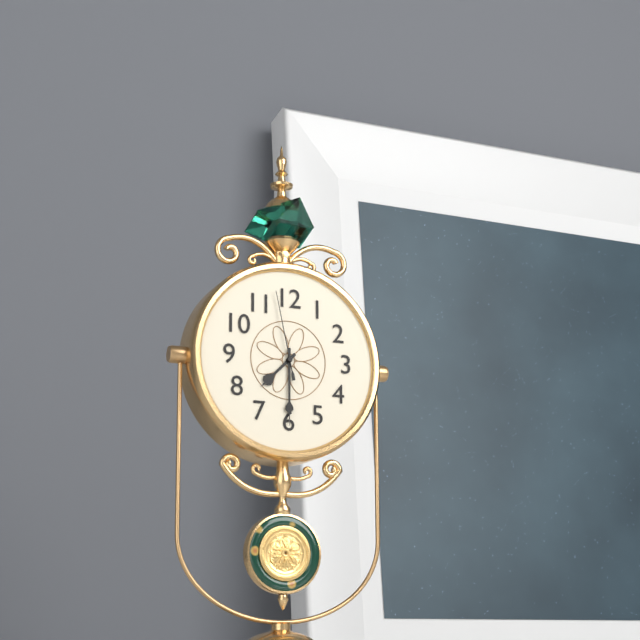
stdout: 7:30:58
